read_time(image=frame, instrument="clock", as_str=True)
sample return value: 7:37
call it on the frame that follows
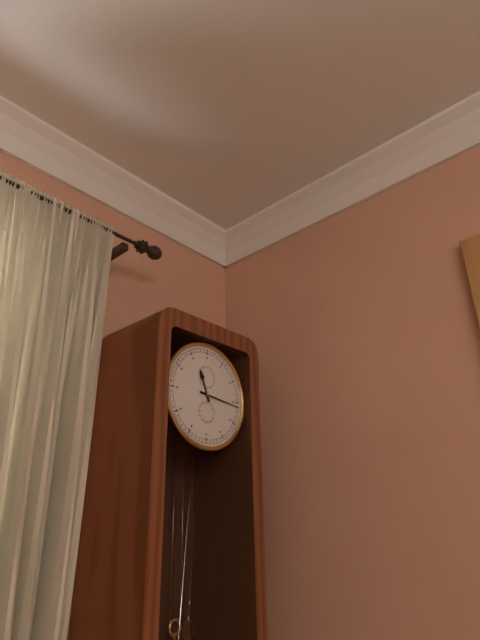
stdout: 11:16
